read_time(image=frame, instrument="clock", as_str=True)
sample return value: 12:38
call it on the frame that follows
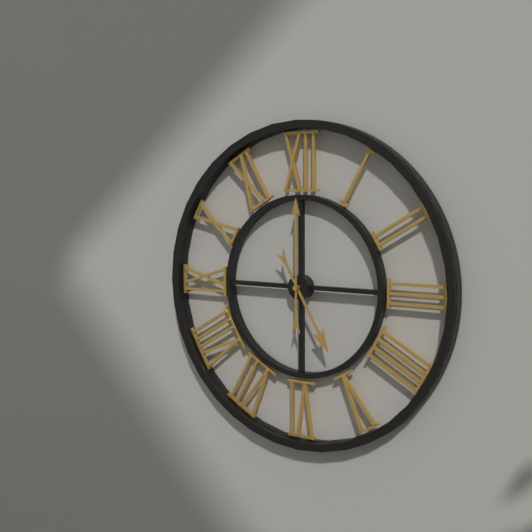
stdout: 5:00
